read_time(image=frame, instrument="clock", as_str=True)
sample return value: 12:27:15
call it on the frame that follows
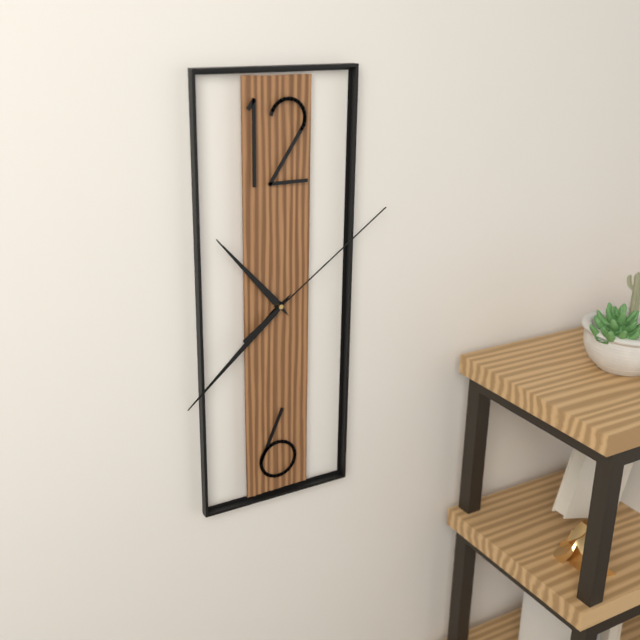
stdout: 10:38:09
